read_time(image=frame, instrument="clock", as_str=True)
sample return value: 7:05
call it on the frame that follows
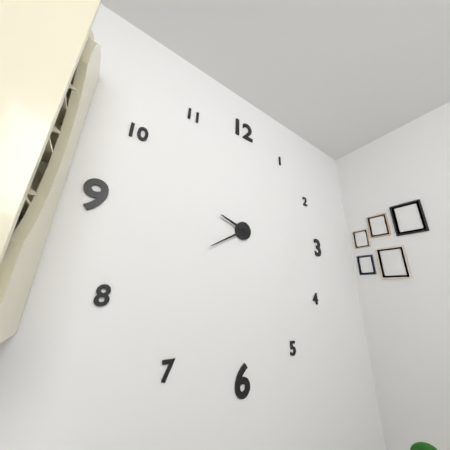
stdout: 9:40
